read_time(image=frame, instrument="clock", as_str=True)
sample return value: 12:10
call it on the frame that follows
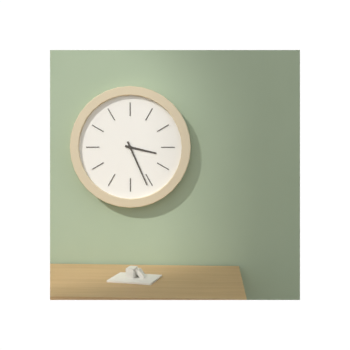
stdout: 3:26
